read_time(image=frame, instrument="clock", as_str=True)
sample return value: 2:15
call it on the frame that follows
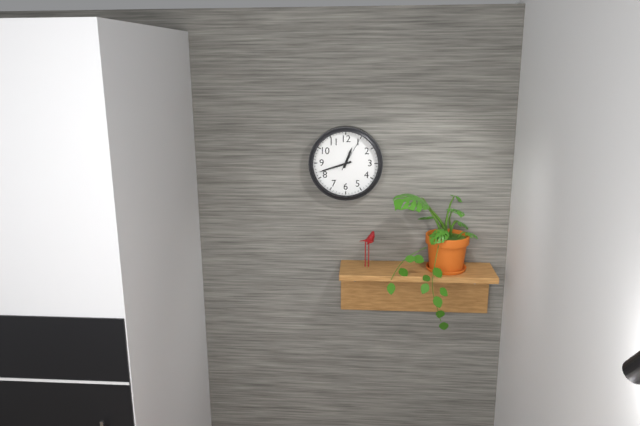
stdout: 12:42
